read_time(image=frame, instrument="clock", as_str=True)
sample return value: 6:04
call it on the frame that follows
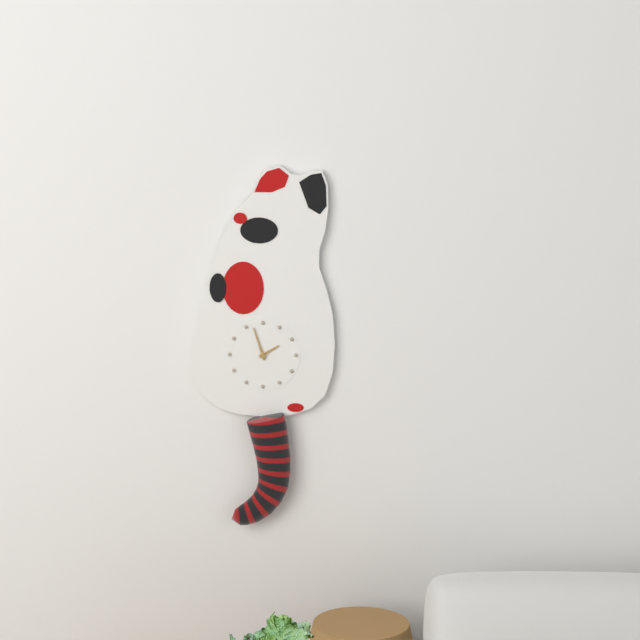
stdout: 1:57
